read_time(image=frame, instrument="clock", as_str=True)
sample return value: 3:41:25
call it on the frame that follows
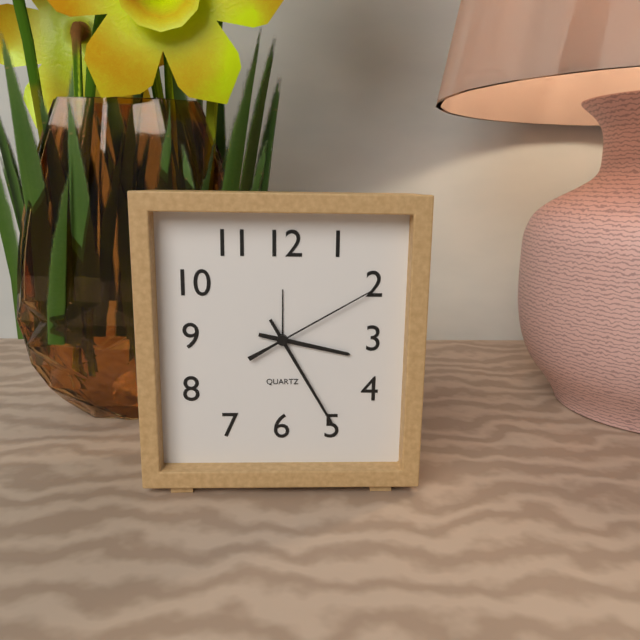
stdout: 3:25:10
